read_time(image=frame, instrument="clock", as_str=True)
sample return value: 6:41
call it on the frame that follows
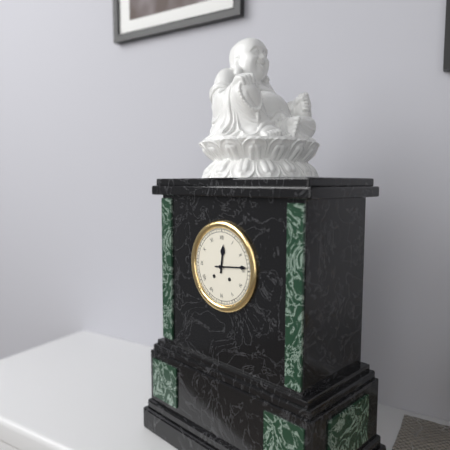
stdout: 12:14
